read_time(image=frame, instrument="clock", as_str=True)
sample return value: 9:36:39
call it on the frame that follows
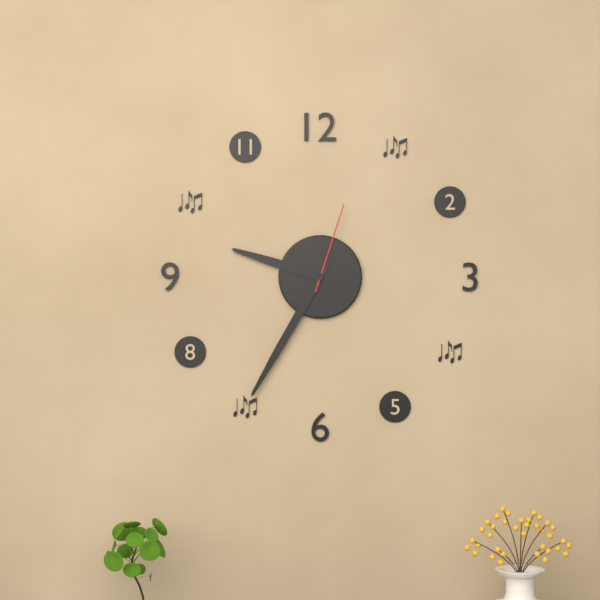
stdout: 9:35:03
